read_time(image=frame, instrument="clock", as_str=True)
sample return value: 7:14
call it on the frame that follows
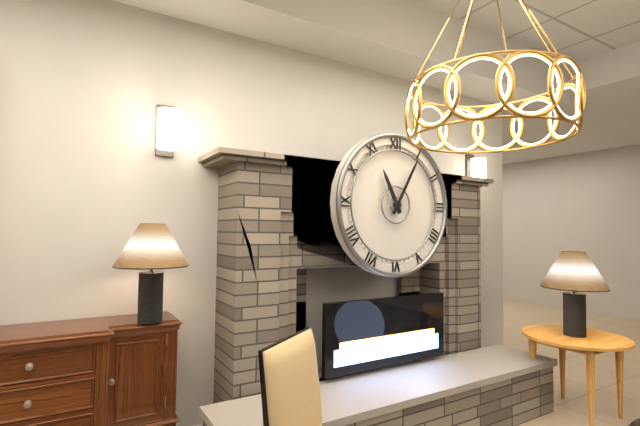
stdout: 11:05
